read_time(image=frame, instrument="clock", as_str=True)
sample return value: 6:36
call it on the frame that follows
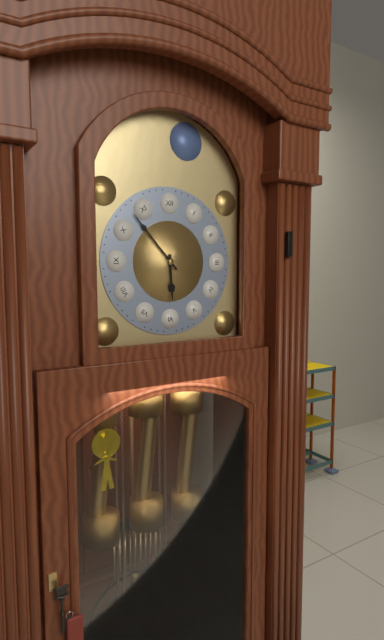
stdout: 5:53
